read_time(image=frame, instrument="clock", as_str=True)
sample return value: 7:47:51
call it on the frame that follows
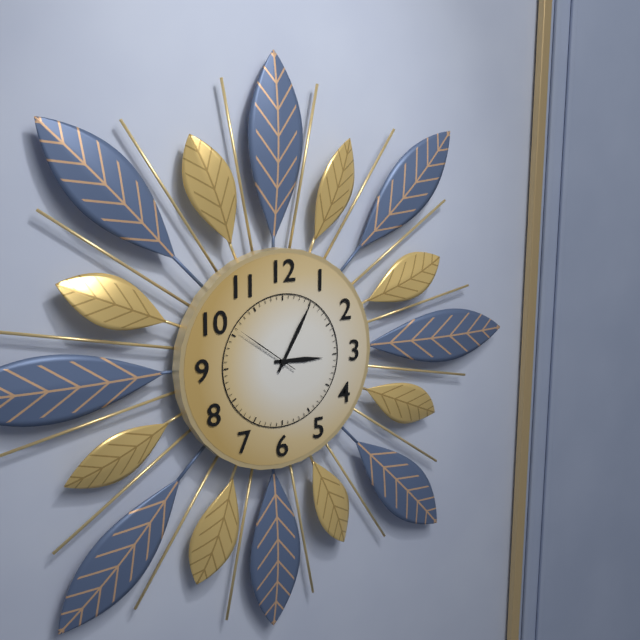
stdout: 3:05:51
